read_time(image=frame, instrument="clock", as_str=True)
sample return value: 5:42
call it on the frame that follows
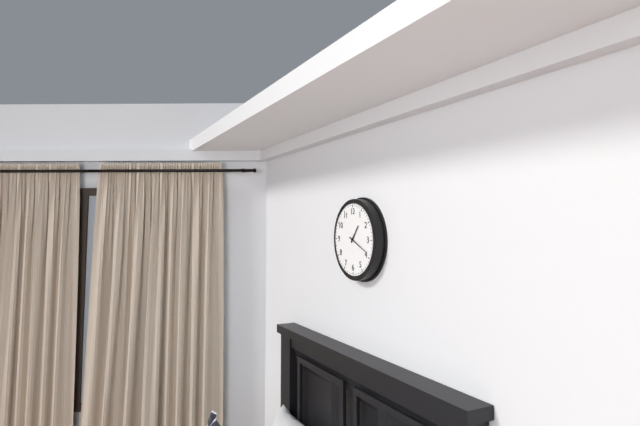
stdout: 1:19
